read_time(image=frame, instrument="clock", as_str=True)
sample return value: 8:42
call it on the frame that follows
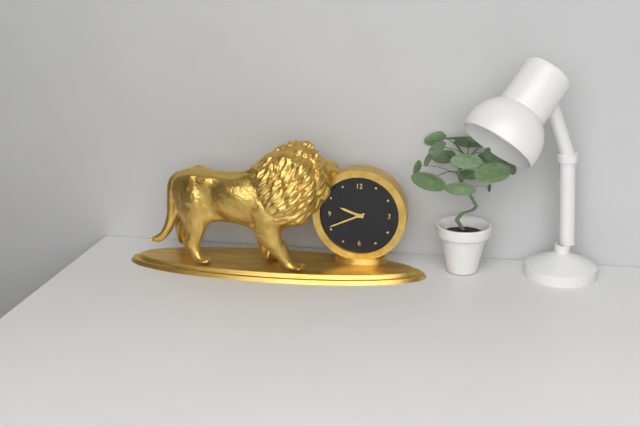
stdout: 9:41
